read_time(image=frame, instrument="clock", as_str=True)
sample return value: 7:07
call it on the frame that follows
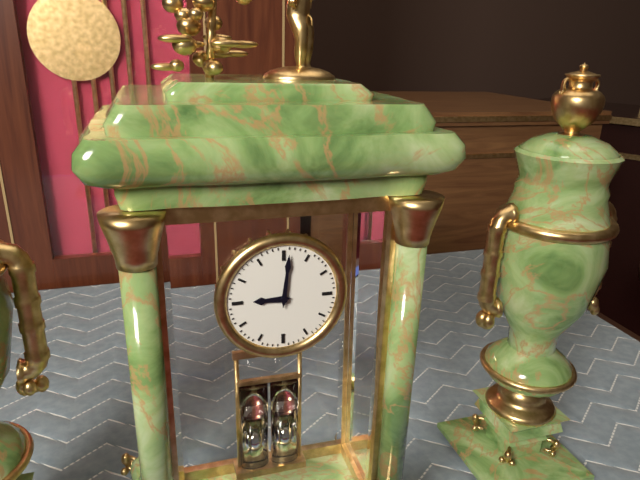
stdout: 9:01
